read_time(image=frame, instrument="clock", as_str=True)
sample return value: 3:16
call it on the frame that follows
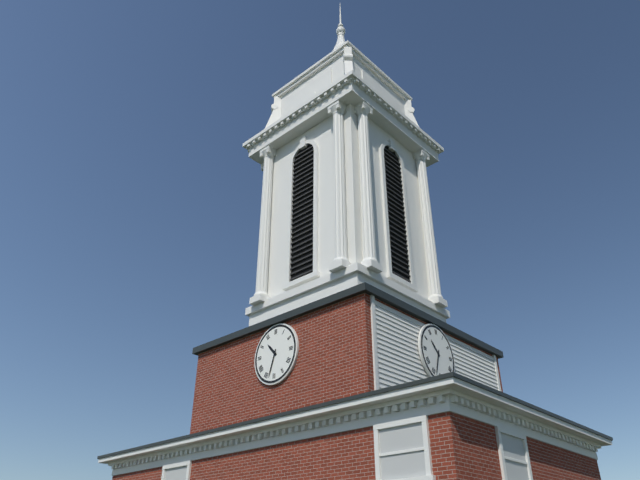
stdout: 10:33
